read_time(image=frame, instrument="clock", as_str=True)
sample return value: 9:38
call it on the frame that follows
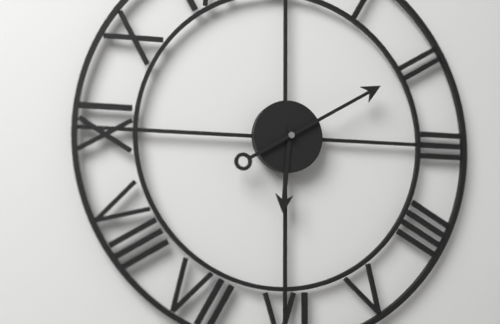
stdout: 6:10
